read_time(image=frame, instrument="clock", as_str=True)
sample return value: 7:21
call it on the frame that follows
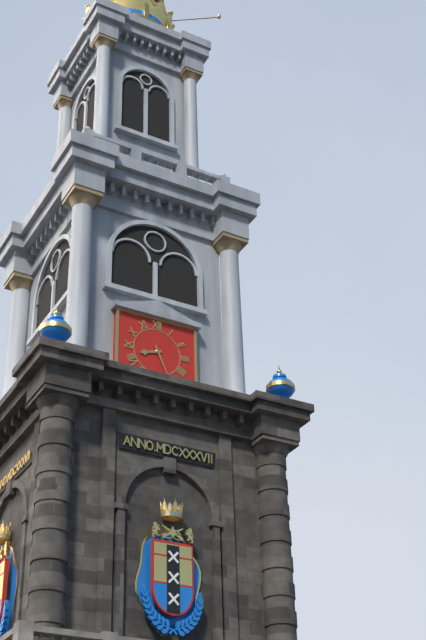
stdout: 8:26
